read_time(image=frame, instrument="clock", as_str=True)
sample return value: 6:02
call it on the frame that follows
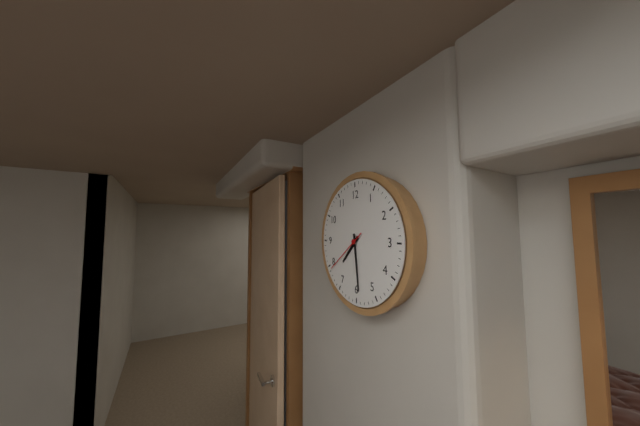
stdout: 7:29
